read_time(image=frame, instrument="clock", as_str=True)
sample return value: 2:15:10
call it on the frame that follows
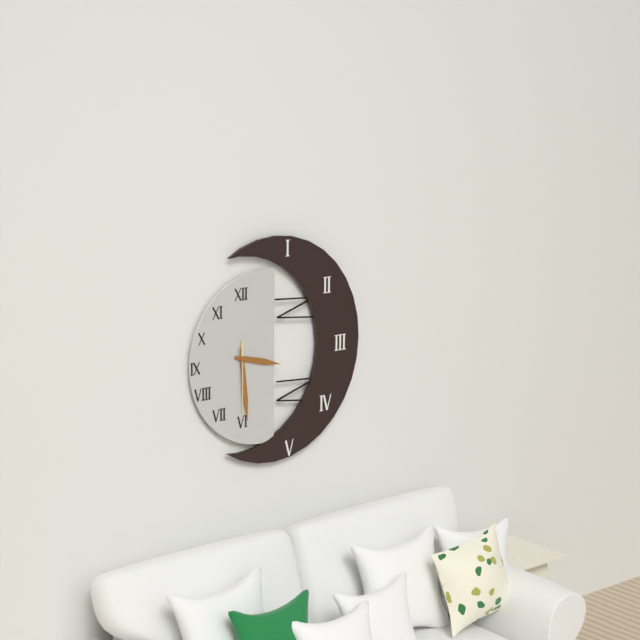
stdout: 3:29:30
